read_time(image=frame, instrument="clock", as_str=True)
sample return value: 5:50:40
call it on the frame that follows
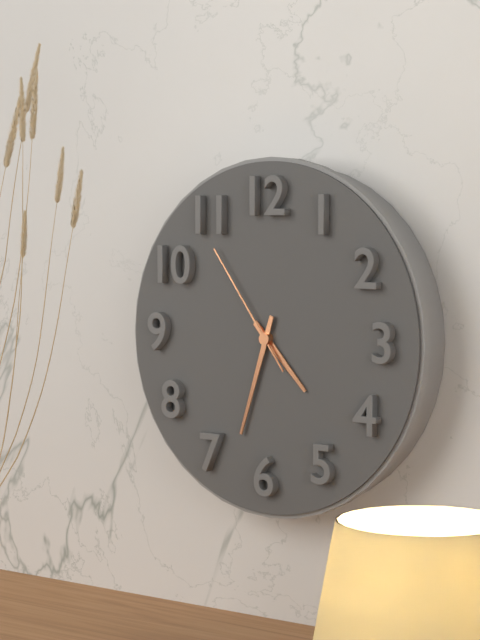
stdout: 4:33:54
